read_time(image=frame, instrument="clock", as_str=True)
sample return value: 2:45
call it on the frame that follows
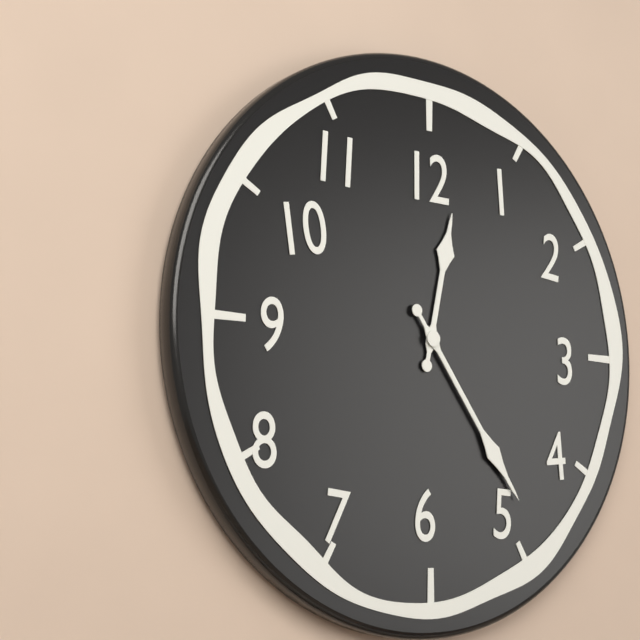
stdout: 12:24
